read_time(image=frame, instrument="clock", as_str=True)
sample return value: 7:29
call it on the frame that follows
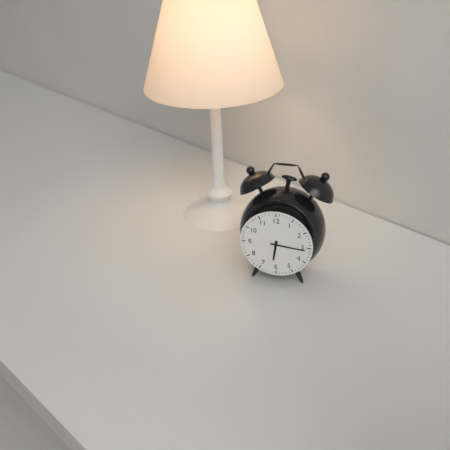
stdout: 6:16
